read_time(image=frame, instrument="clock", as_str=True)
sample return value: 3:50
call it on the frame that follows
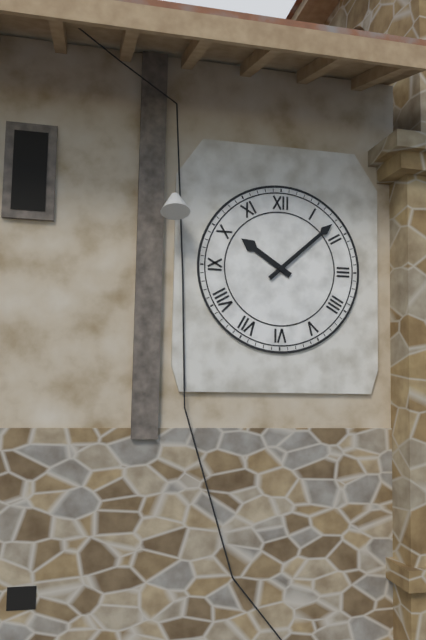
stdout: 10:08
